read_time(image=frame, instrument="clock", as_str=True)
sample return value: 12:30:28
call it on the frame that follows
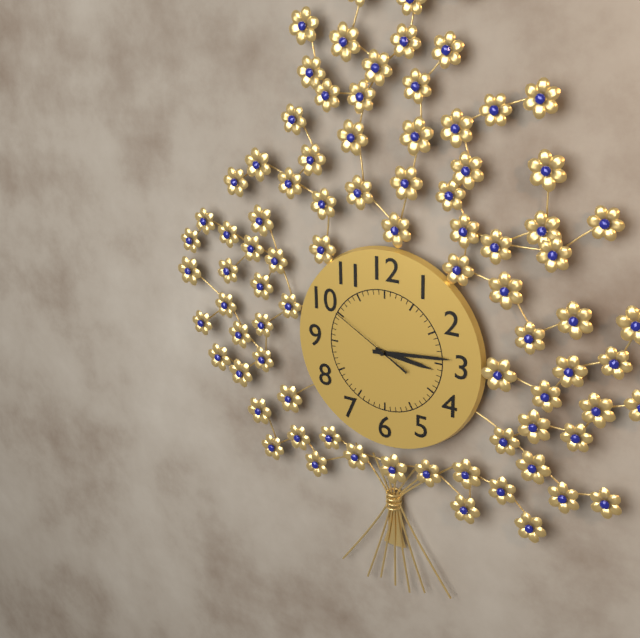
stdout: 3:14:50
